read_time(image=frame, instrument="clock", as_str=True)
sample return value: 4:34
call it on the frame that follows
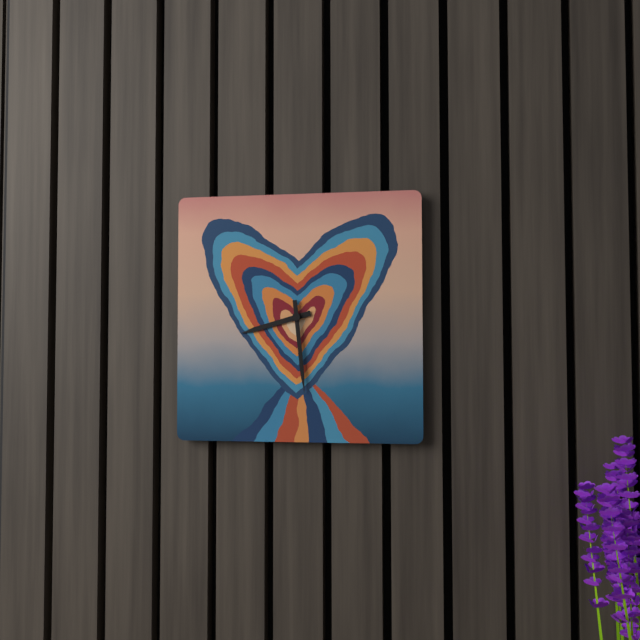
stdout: 8:29
